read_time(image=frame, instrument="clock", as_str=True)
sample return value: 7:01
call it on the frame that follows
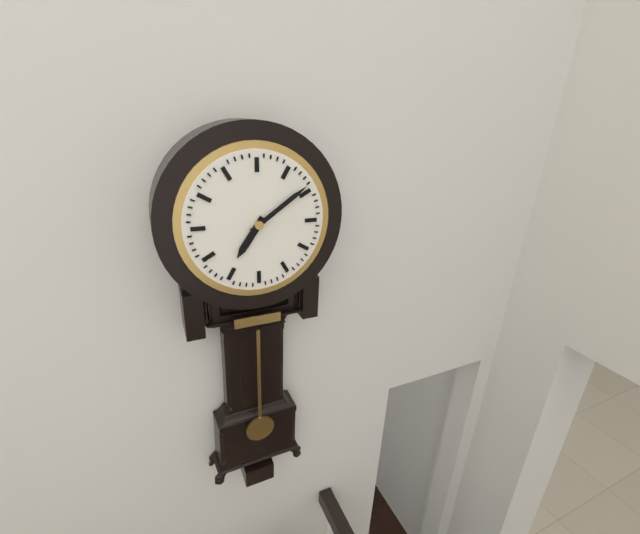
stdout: 7:09
